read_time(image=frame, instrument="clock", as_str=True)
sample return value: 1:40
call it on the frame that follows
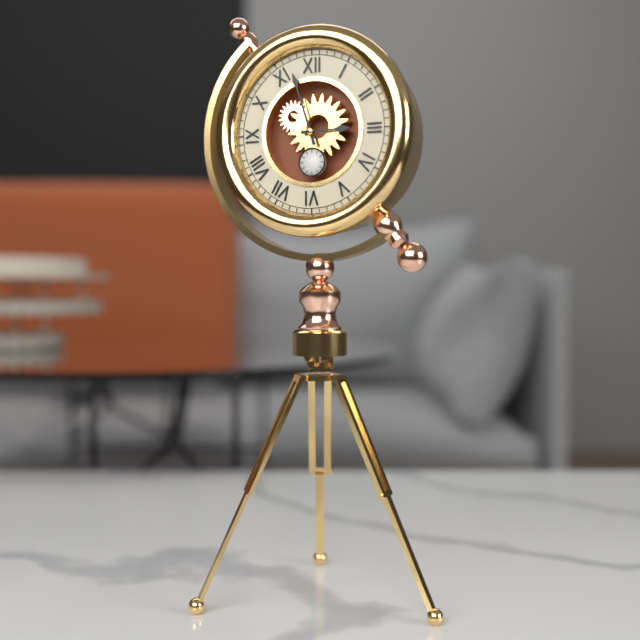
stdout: 2:57
